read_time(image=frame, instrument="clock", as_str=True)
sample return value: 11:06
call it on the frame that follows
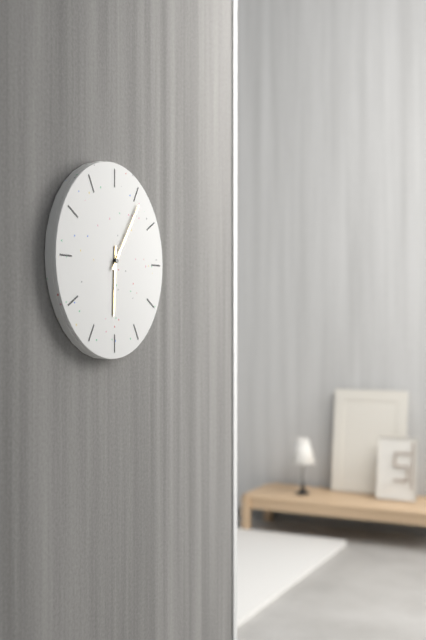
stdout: 6:06
